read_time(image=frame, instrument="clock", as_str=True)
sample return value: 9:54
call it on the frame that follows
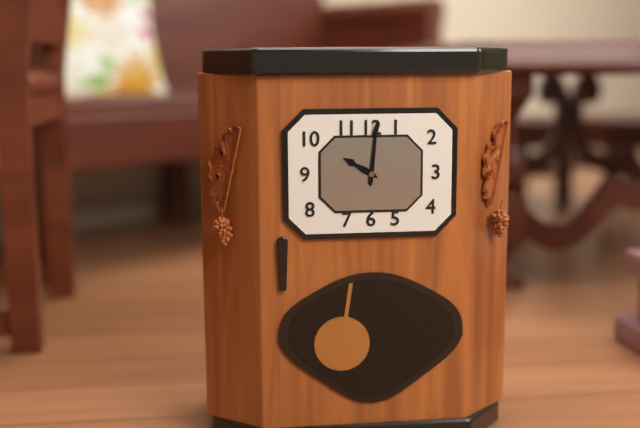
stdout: 10:01
